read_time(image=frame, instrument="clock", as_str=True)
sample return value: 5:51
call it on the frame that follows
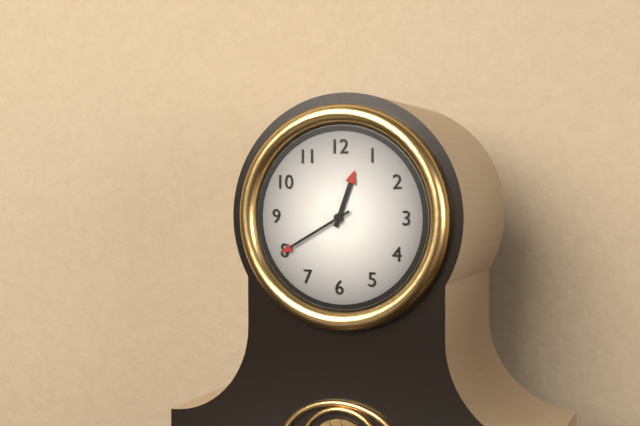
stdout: 12:40
